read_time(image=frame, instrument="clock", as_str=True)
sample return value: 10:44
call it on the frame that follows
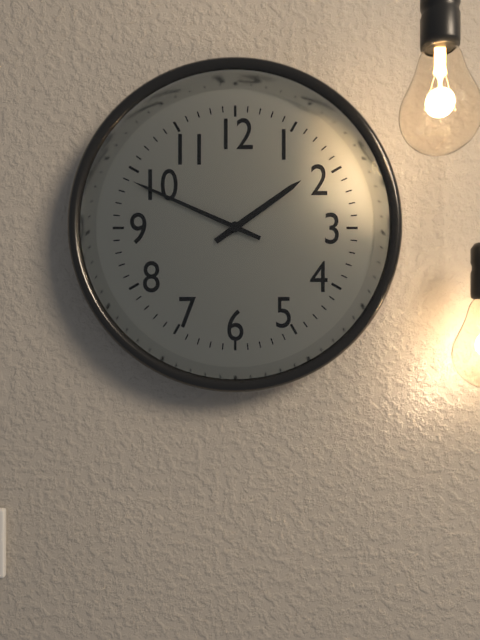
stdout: 1:49
